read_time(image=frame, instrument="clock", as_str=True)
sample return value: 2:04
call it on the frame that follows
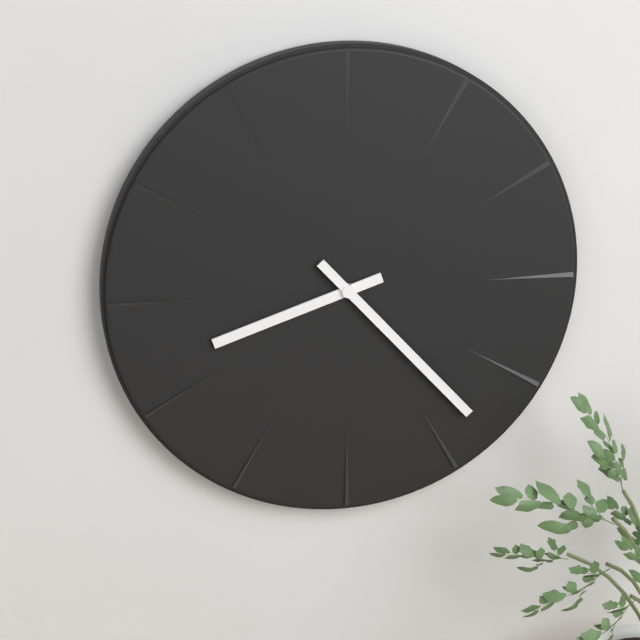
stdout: 8:23
